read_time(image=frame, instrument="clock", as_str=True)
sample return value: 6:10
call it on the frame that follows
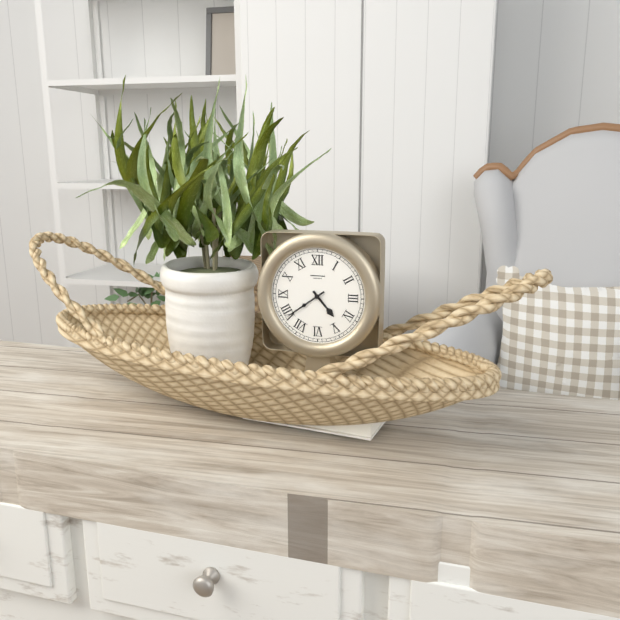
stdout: 4:39
